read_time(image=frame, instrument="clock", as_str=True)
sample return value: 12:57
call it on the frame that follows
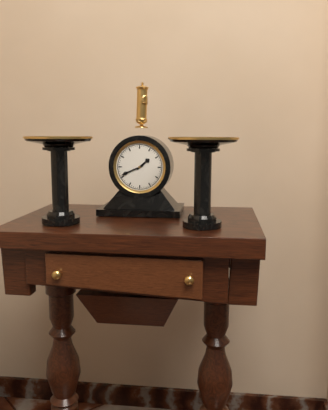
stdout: 1:41
